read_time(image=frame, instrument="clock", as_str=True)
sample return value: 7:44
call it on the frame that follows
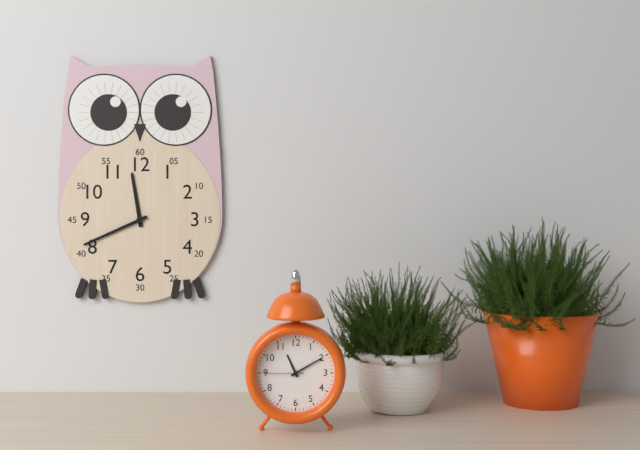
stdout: 11:41
